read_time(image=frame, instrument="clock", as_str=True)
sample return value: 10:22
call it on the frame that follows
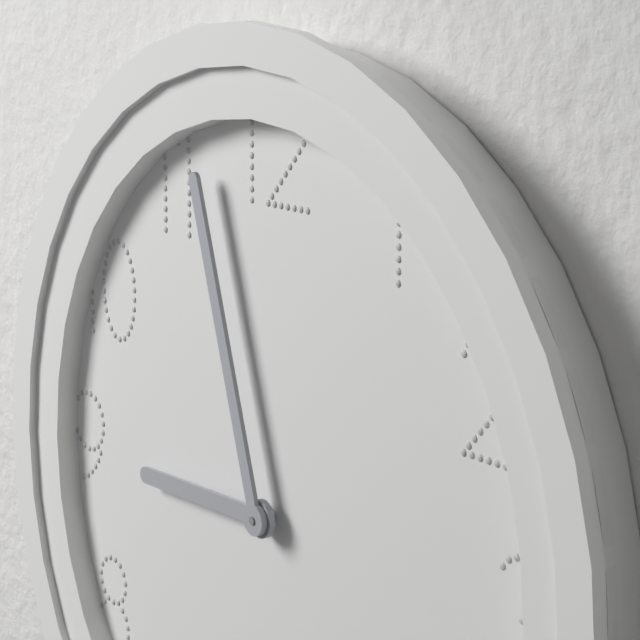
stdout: 8:57
